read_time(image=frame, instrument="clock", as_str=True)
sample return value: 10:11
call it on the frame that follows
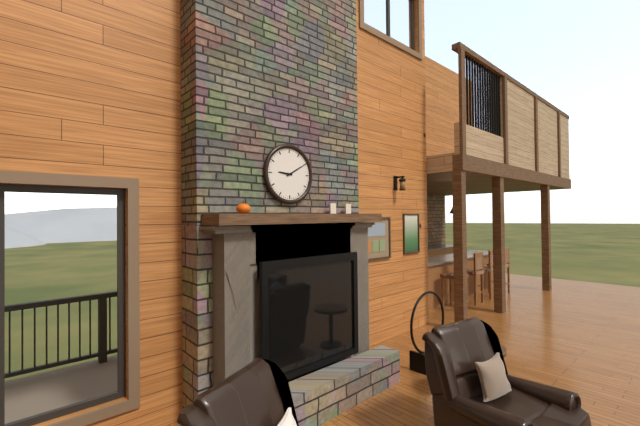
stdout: 9:10
